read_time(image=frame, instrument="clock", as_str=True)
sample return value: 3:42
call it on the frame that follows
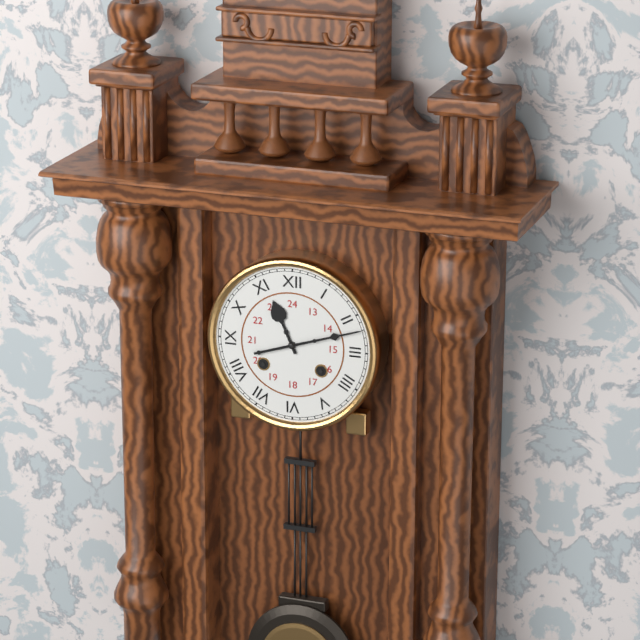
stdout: 11:12
